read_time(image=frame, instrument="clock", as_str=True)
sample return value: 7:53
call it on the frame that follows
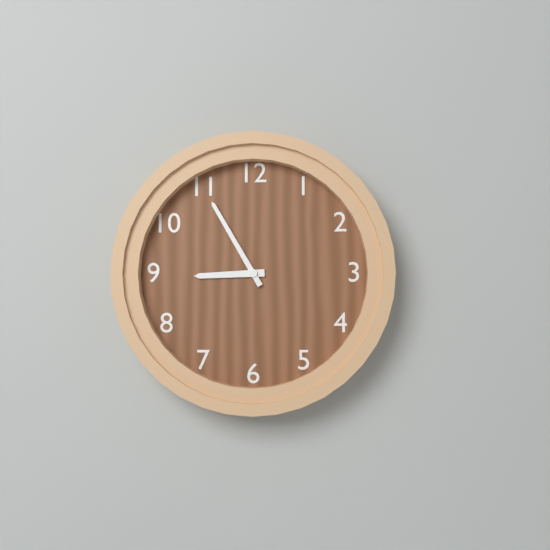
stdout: 8:55
